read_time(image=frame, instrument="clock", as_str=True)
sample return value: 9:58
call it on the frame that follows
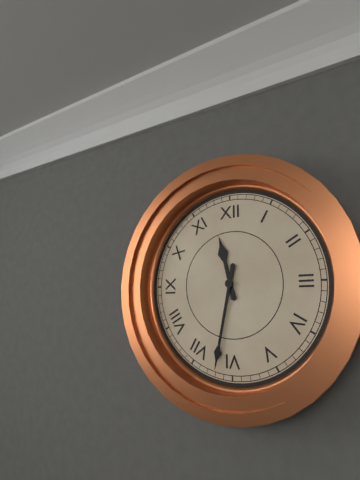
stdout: 11:32
